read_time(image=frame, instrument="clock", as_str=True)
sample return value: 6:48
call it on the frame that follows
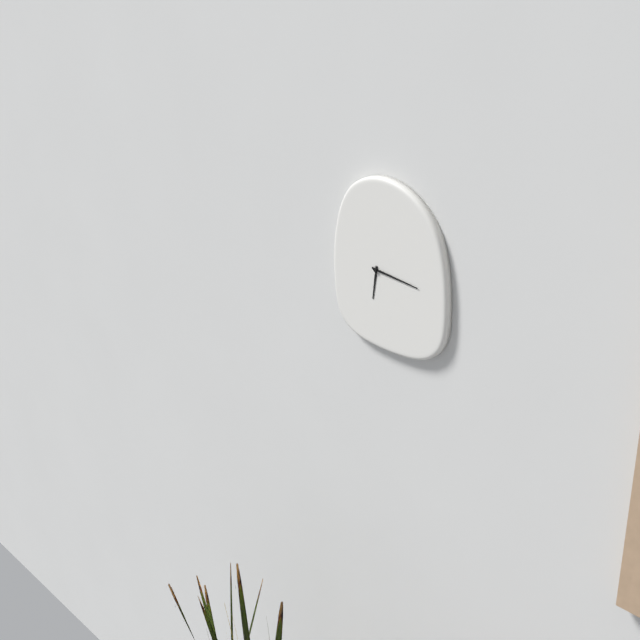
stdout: 6:16
